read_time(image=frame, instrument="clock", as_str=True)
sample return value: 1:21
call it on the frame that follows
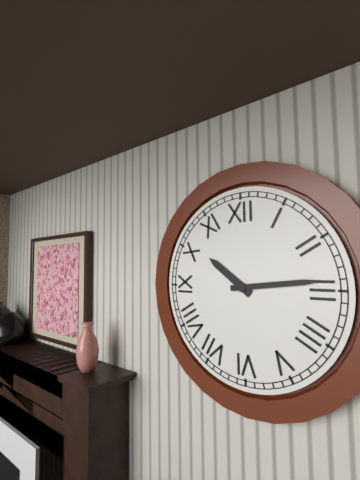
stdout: 10:14
